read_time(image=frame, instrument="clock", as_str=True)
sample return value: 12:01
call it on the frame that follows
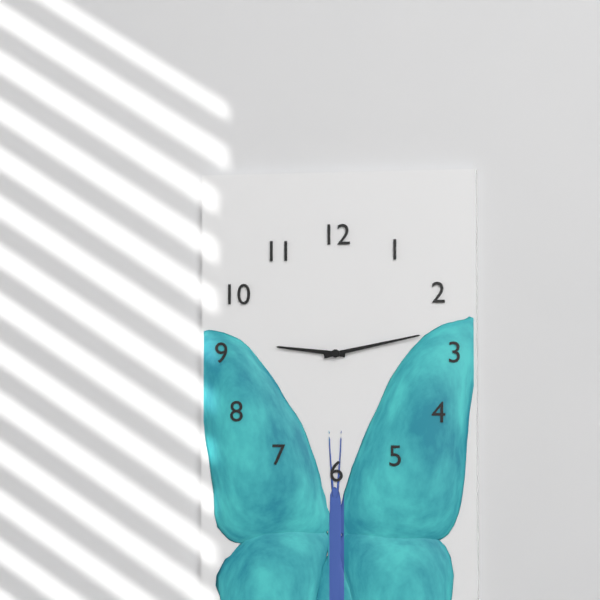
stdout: 9:13
